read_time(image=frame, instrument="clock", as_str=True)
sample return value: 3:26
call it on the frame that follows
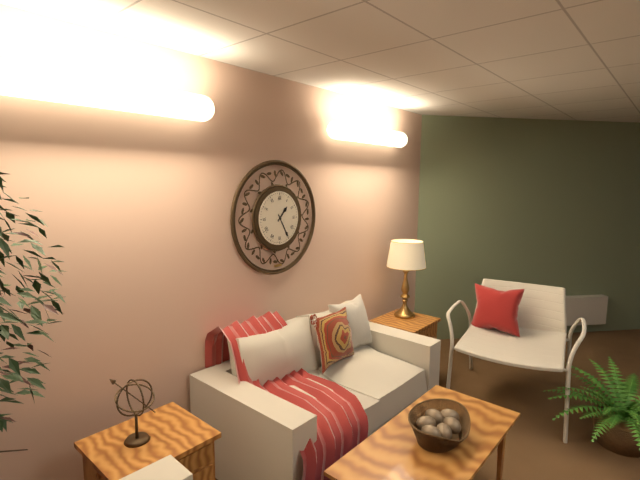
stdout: 1:25
